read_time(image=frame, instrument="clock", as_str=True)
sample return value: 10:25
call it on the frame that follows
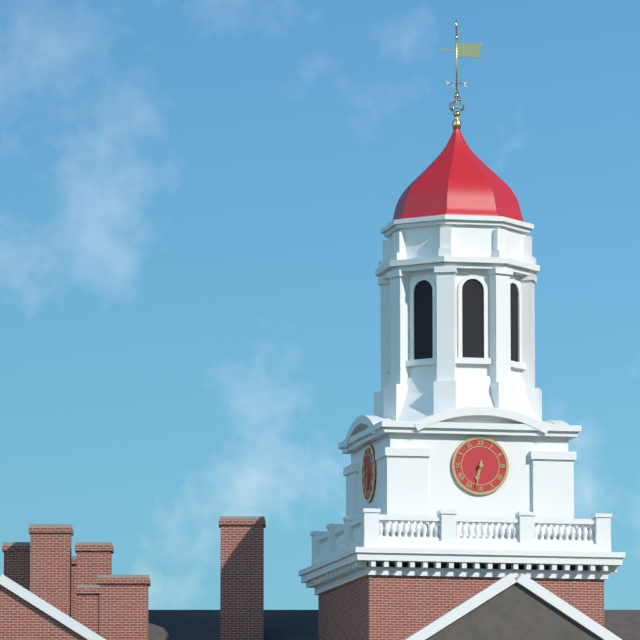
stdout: 6:32
